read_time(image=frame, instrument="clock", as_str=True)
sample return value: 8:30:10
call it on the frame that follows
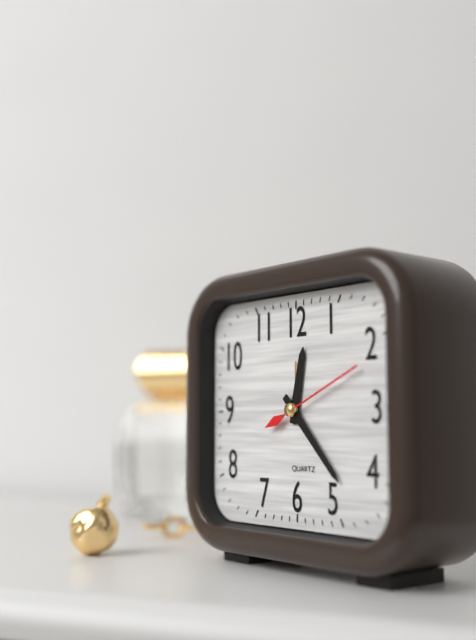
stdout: 12:23:11
